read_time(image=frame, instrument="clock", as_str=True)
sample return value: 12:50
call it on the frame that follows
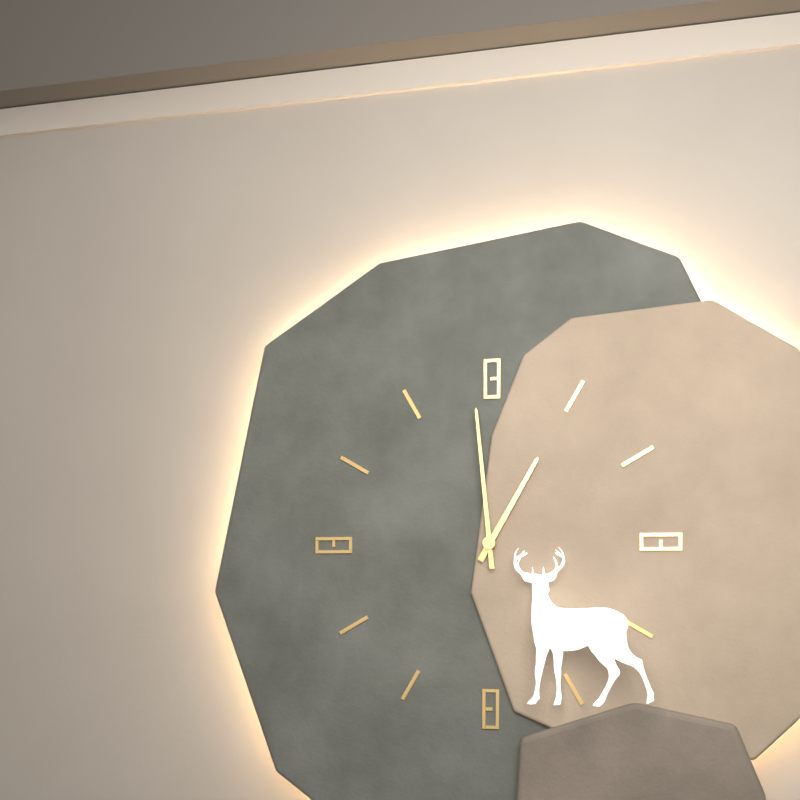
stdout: 12:59
